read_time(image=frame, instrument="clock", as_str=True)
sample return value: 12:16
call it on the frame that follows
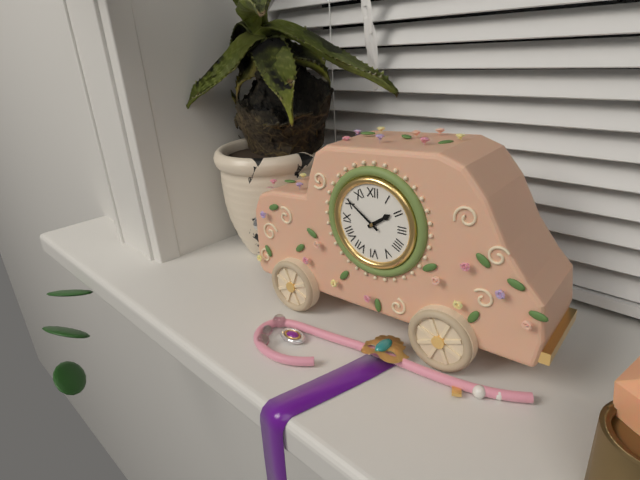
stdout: 1:51
